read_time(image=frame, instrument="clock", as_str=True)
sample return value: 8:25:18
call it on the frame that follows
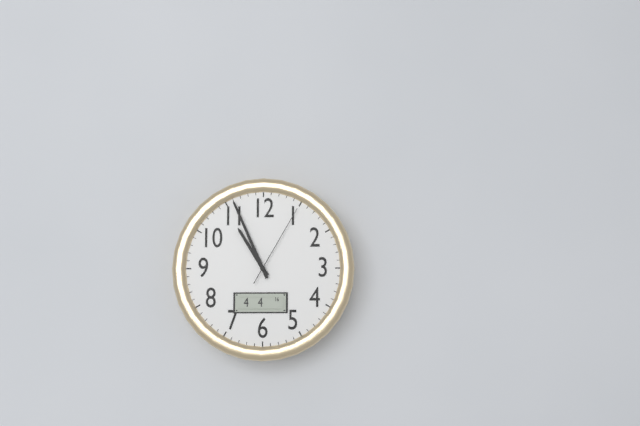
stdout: 10:56:05
